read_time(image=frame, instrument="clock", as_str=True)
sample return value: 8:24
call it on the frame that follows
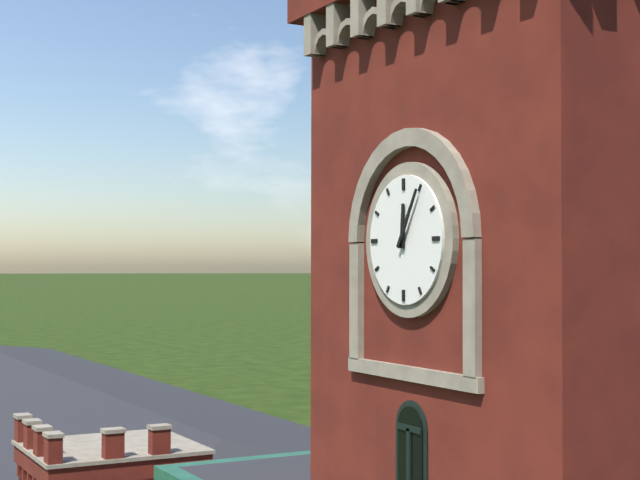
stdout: 12:05
